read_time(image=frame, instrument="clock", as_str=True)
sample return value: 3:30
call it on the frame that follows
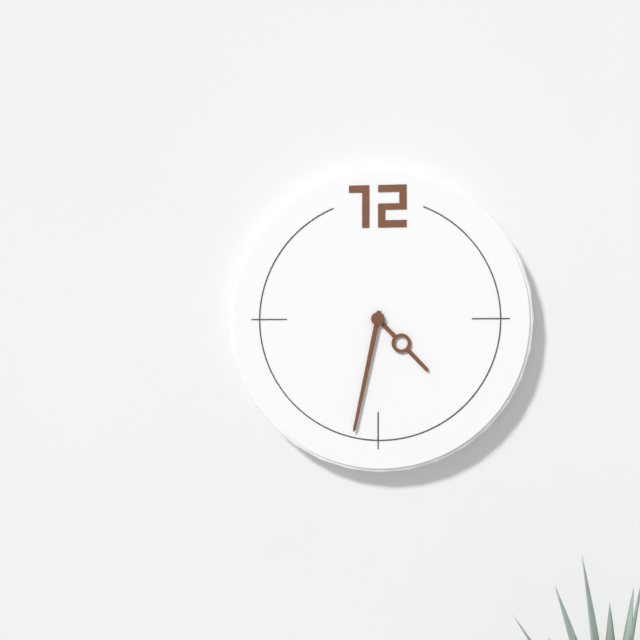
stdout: 4:32
